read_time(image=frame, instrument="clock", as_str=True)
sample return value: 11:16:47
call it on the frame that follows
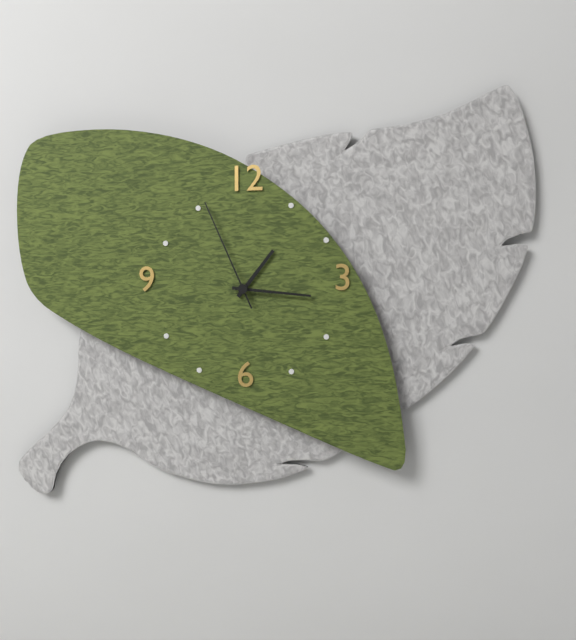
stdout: 1:16:56
